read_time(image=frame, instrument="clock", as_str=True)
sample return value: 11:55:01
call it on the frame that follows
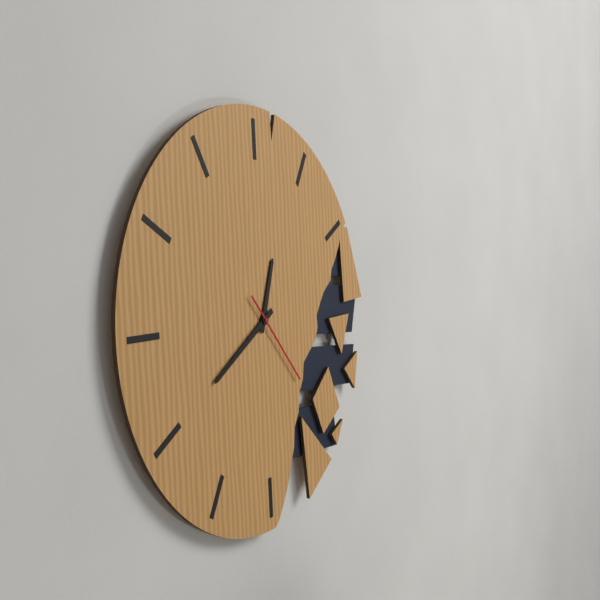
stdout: 12:40:23
